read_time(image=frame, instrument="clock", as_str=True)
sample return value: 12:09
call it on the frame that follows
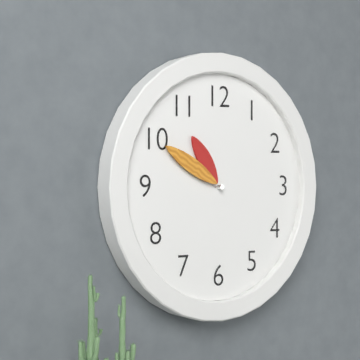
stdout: 10:50
